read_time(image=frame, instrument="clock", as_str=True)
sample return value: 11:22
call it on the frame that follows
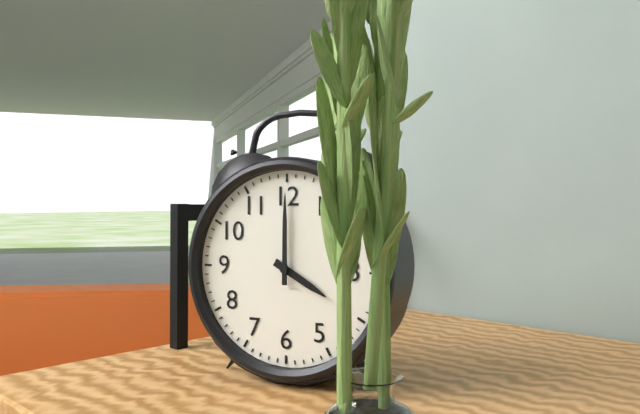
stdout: 4:00
